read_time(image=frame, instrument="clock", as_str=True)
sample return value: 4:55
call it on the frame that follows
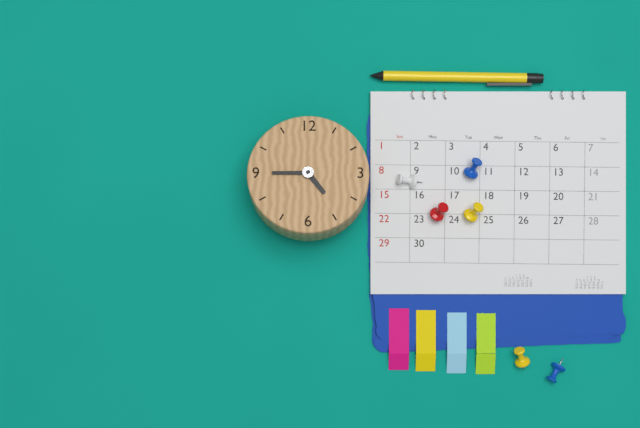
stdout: 4:45
